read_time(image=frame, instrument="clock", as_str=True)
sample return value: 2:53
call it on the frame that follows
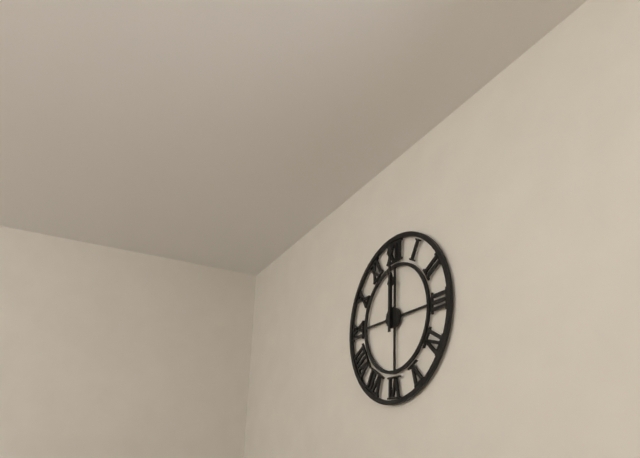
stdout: 12:00
